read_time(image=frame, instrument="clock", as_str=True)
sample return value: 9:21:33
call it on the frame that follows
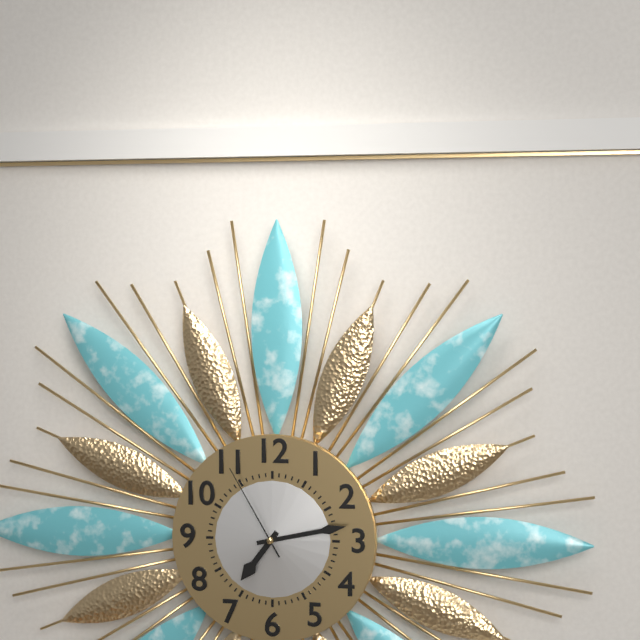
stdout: 7:13:55
